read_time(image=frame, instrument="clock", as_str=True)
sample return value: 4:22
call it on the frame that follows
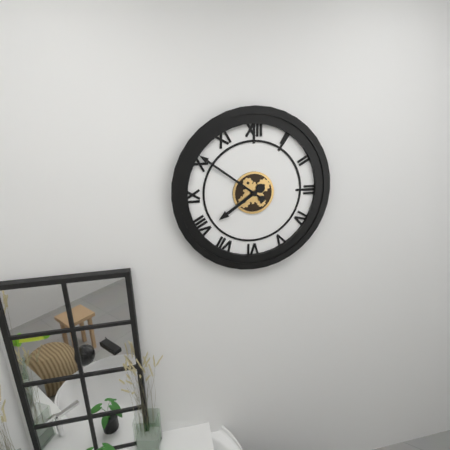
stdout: 7:51
